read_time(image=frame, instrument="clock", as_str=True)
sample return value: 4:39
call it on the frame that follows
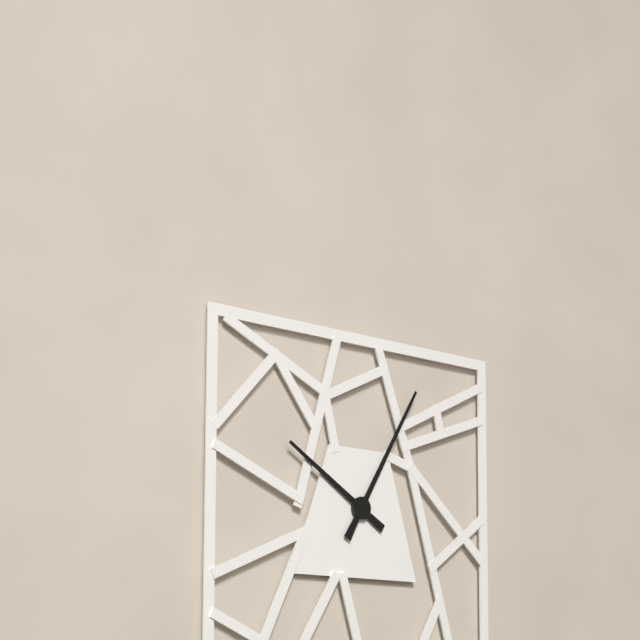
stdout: 10:05
